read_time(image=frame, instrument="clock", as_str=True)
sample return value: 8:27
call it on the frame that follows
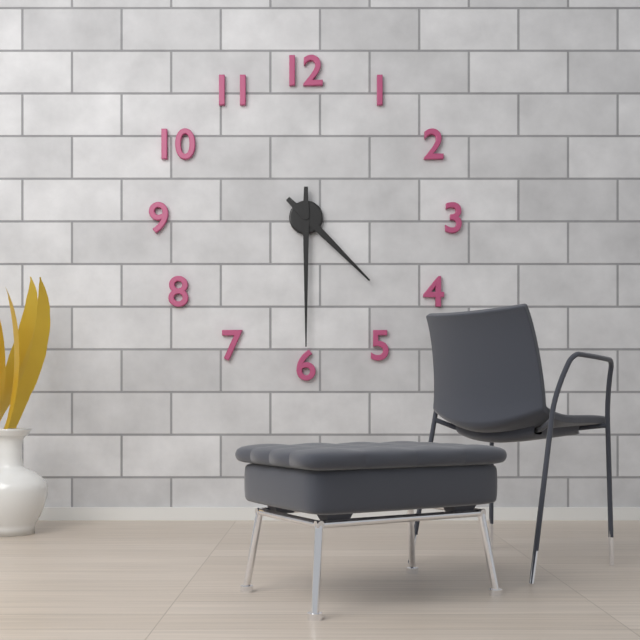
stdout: 4:30
